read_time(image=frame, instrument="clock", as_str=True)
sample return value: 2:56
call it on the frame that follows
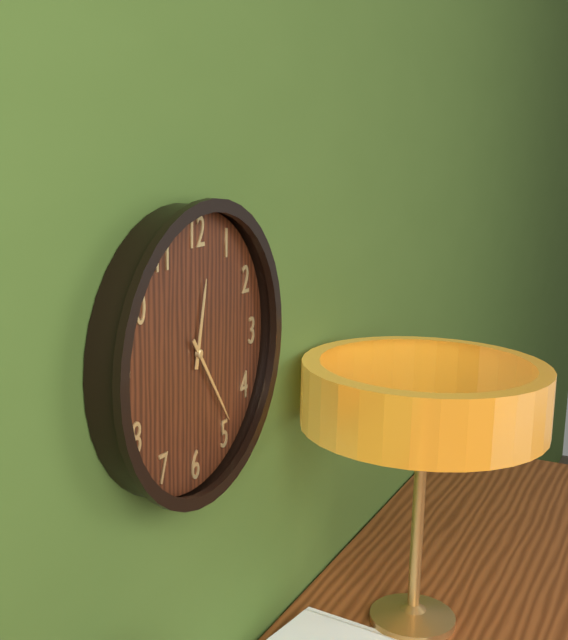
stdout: 12:24
